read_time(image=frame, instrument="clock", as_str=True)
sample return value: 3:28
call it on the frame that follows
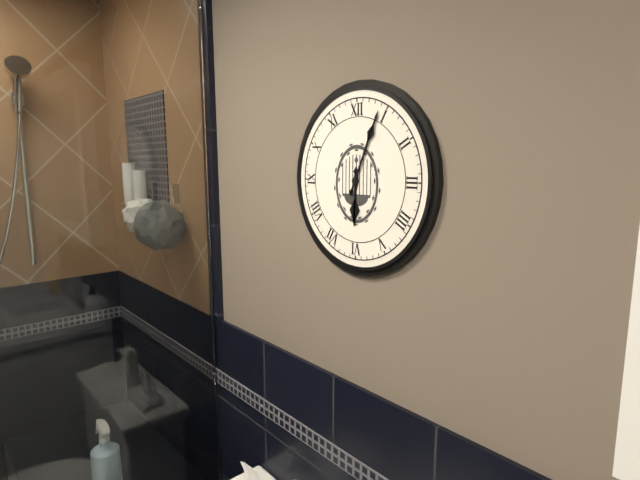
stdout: 6:04
